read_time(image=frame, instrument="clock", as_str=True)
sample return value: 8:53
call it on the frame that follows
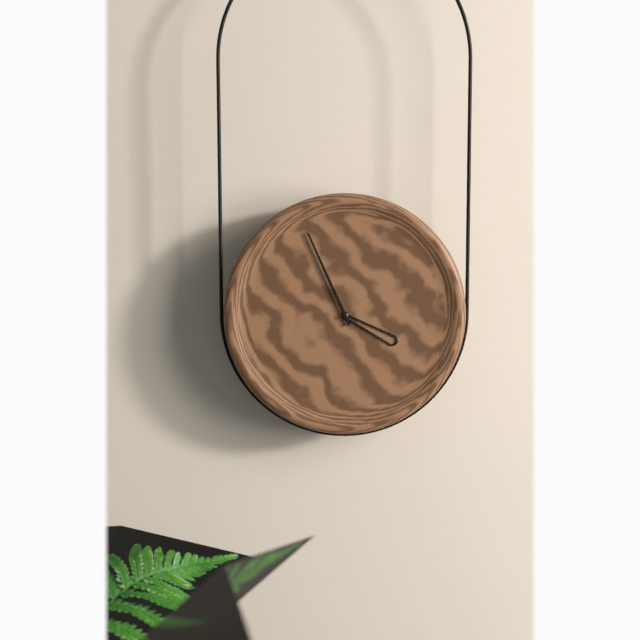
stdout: 3:56
